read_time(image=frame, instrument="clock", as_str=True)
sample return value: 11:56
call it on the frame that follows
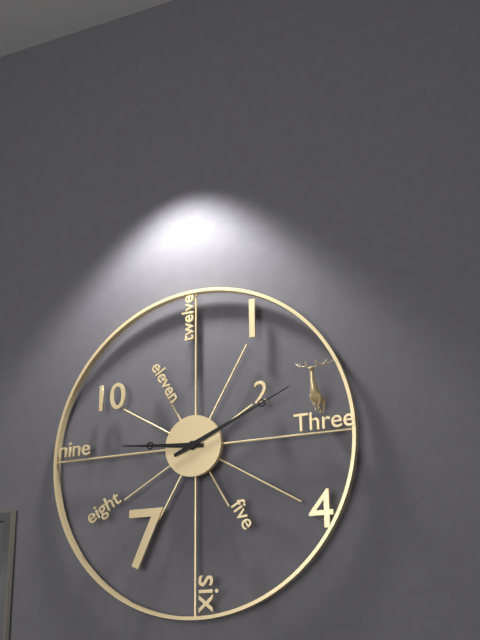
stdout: 9:11
